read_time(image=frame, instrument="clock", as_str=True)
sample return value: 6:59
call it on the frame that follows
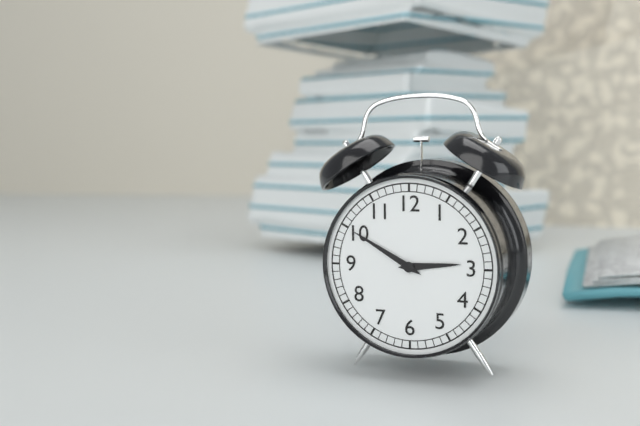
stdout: 2:50
